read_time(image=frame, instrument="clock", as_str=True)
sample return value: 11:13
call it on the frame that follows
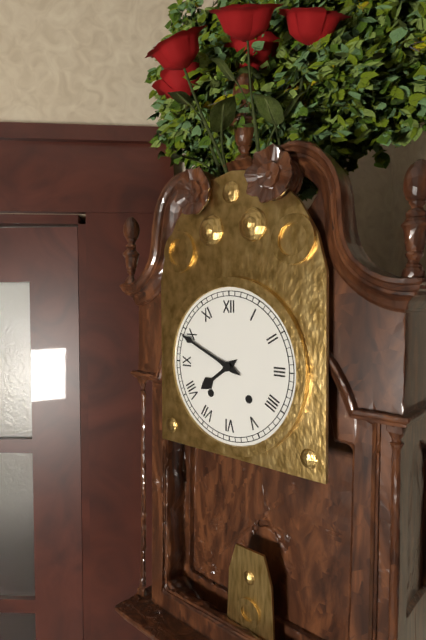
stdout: 7:49
